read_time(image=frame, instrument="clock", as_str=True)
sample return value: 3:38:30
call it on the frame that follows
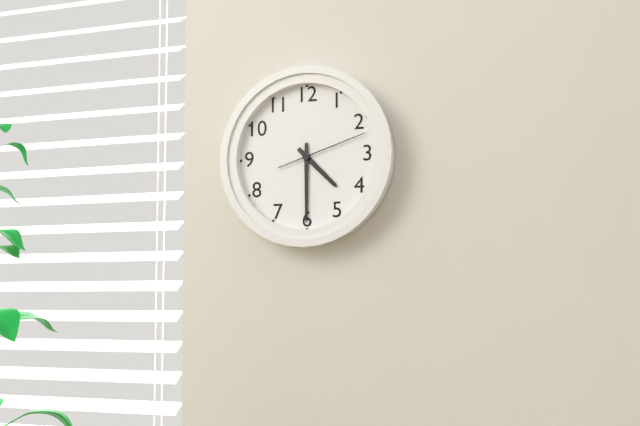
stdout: 4:30:12
